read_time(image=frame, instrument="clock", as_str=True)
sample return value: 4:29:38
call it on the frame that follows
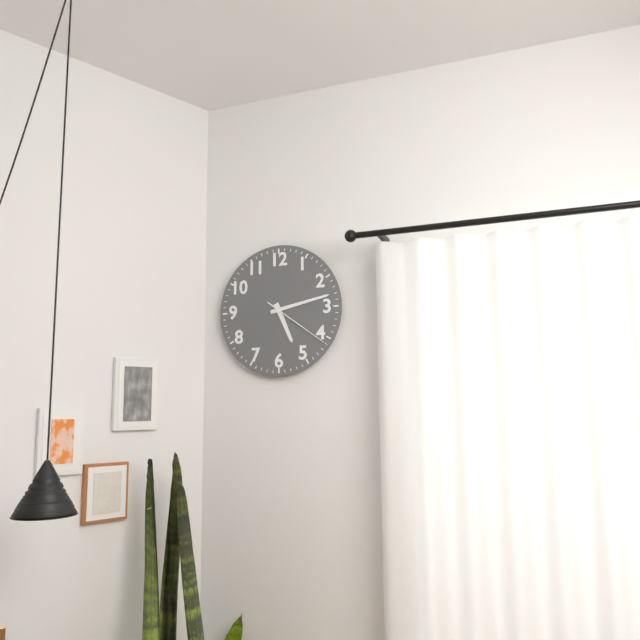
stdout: 5:13:21
